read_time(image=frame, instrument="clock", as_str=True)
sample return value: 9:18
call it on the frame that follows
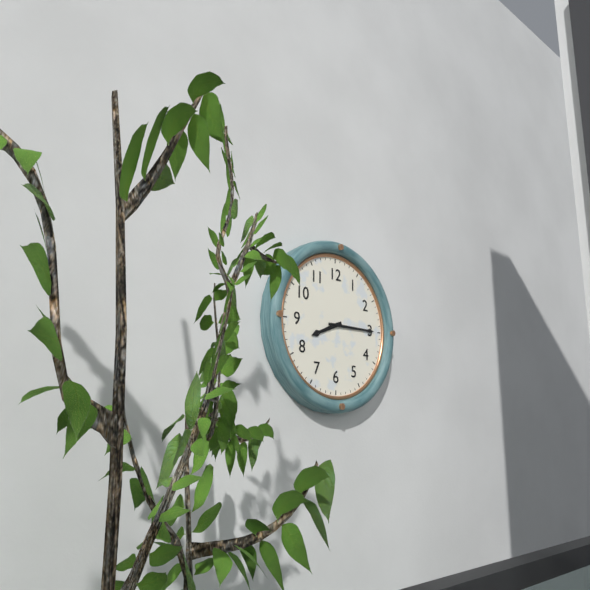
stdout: 8:15
